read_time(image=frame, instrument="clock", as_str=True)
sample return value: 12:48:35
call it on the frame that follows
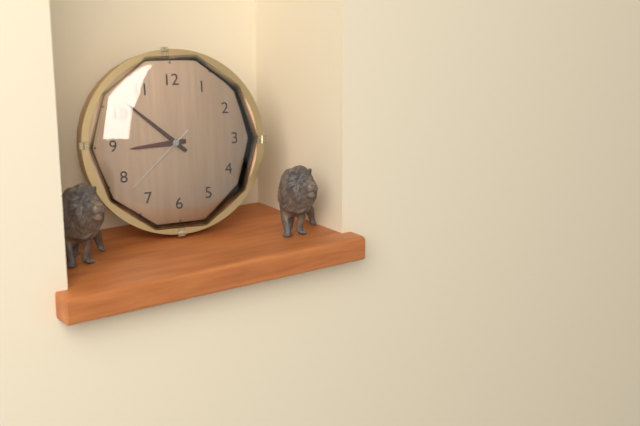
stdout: 8:52:38
